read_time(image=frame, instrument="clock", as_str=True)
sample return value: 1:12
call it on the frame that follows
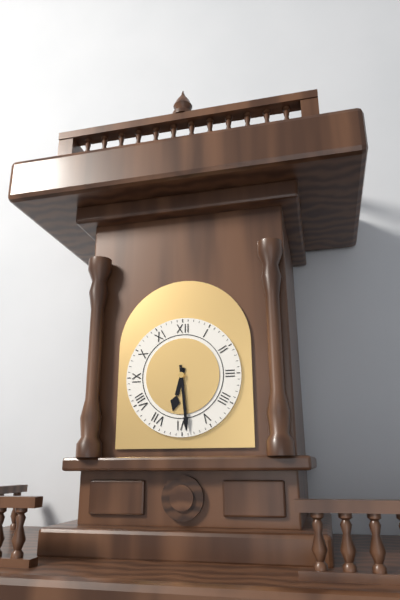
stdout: 6:29
